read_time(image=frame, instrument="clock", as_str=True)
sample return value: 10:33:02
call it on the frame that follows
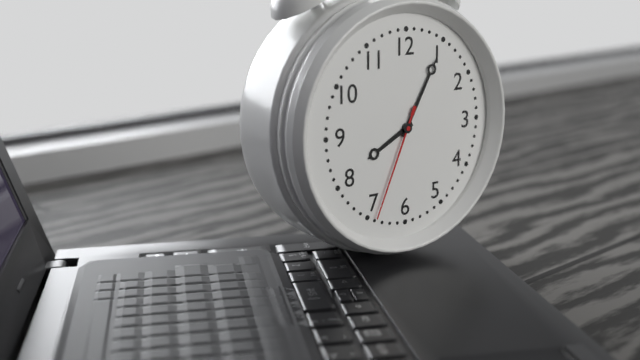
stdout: 8:05:34
